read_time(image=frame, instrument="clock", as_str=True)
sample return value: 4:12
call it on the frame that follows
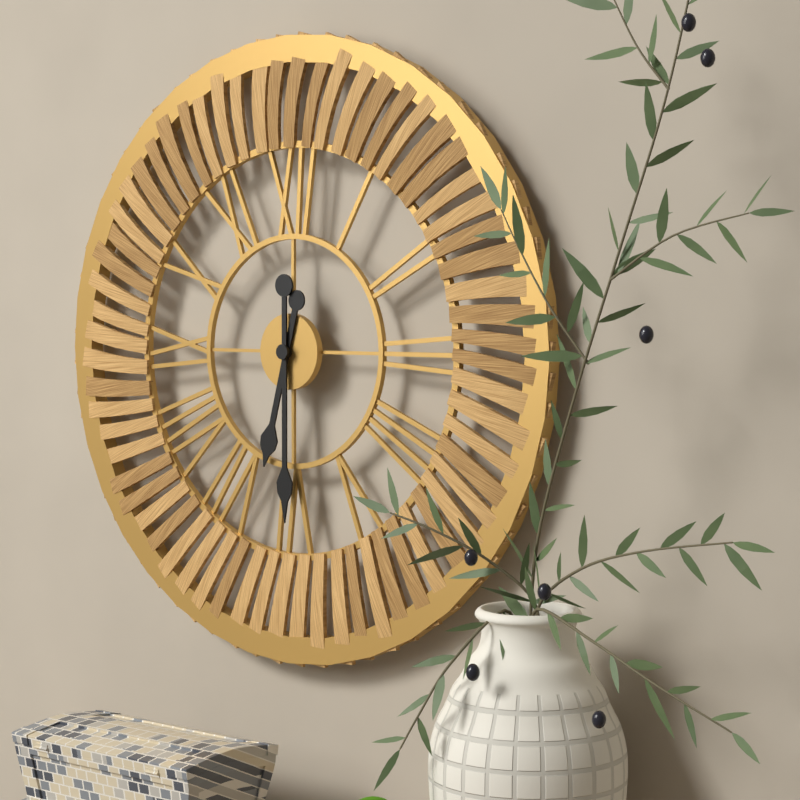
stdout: 6:30
